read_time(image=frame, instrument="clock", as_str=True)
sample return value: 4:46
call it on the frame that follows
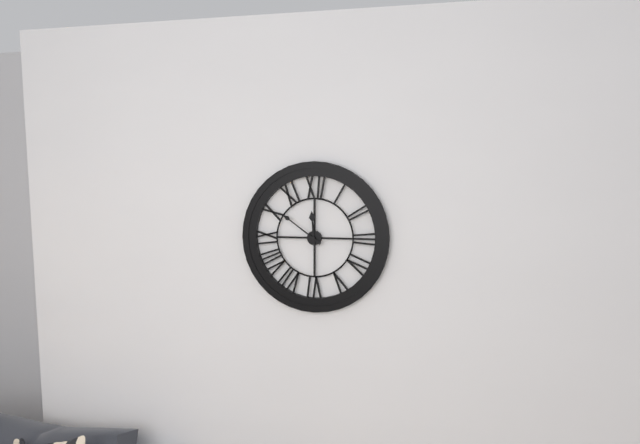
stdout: 11:51
